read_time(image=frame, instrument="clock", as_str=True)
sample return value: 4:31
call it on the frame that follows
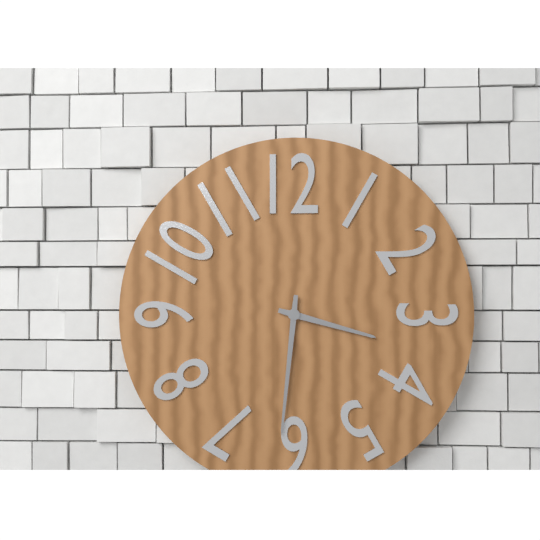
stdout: 3:31
